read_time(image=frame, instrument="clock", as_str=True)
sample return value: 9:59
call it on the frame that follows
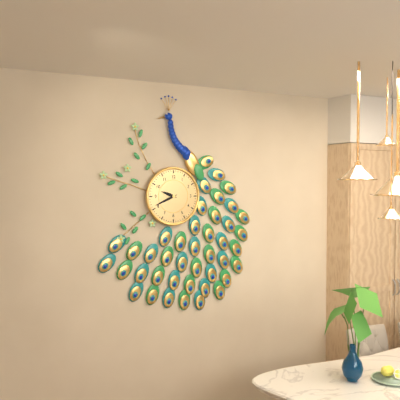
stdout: 9:41
